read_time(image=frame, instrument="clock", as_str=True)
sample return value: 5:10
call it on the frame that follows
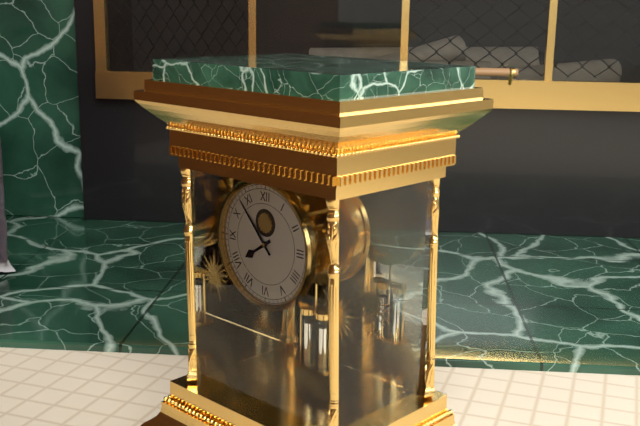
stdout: 7:53
